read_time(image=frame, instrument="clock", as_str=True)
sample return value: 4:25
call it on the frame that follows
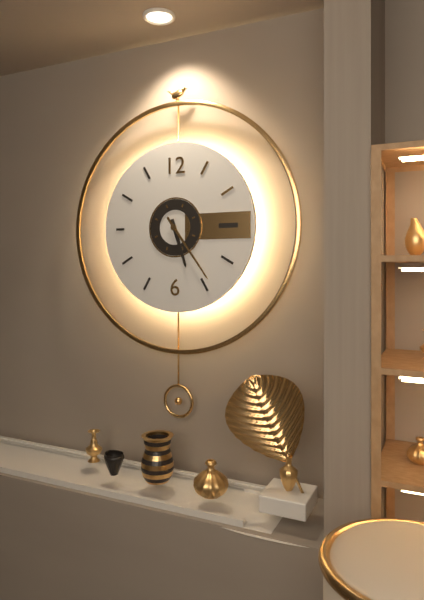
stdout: 5:24
